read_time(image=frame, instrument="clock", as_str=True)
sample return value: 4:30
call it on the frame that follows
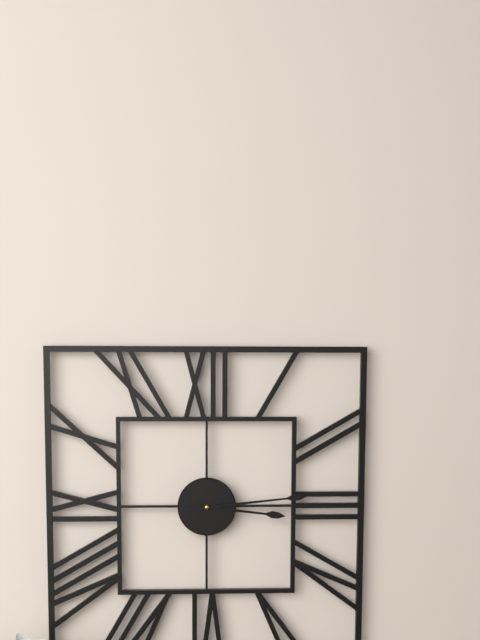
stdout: 3:14
